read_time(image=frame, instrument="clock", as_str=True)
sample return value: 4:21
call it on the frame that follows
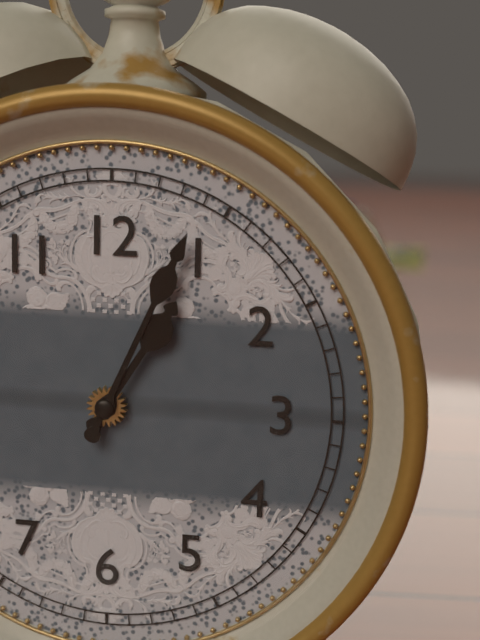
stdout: 1:04
